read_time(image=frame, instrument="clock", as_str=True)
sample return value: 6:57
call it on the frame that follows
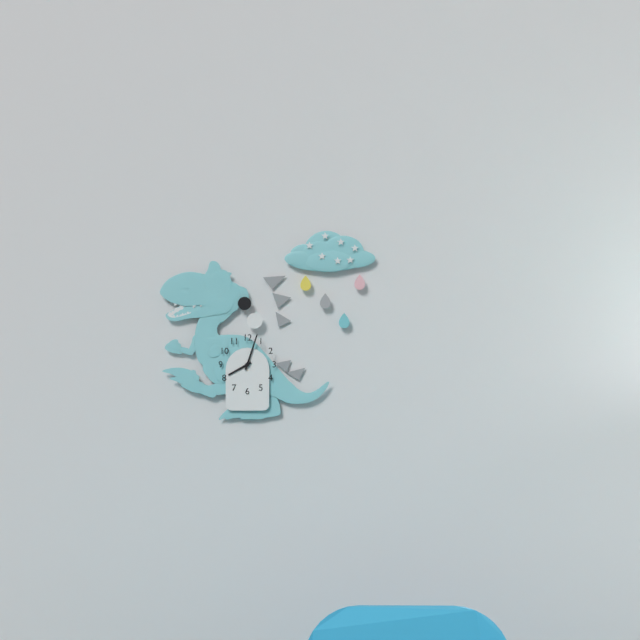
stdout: 8:03
